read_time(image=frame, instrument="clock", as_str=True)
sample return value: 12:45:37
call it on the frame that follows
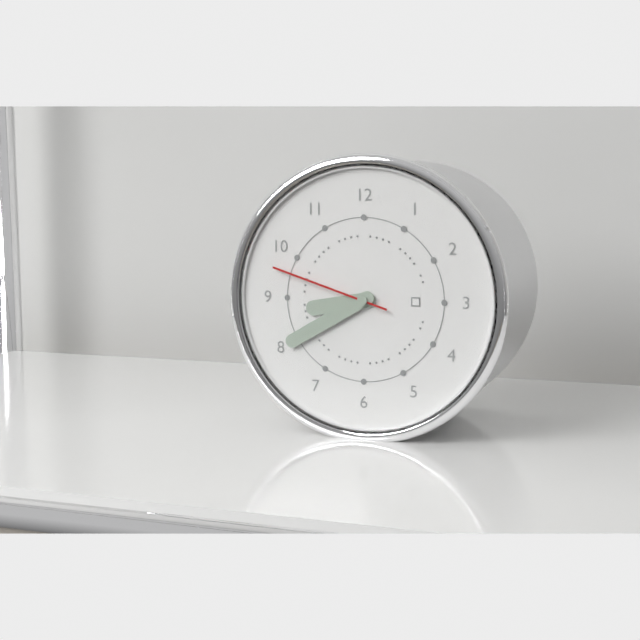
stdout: 8:40:48
